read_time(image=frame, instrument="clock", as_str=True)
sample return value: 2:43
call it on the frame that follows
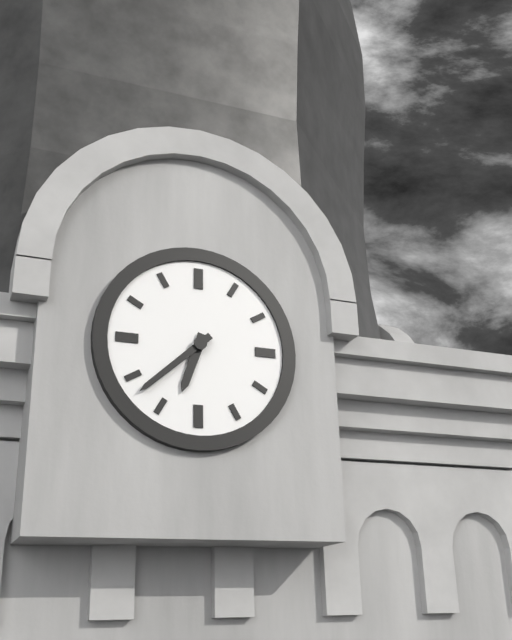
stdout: 6:38
